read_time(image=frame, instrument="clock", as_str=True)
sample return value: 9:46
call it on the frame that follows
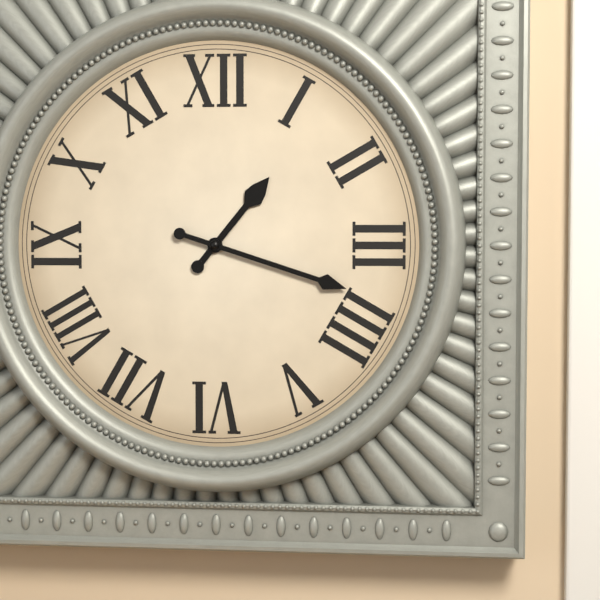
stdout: 1:18
